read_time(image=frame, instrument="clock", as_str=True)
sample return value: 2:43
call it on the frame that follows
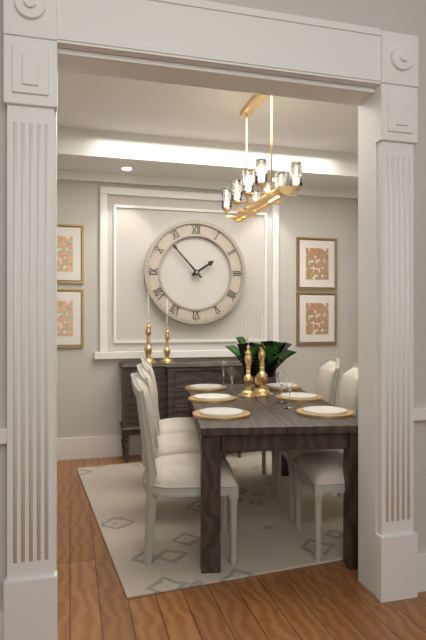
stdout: 1:53
